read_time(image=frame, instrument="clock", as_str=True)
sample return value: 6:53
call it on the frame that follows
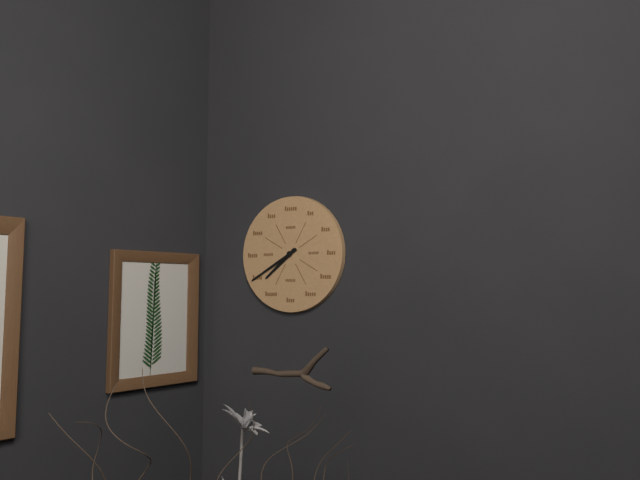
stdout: 7:40
